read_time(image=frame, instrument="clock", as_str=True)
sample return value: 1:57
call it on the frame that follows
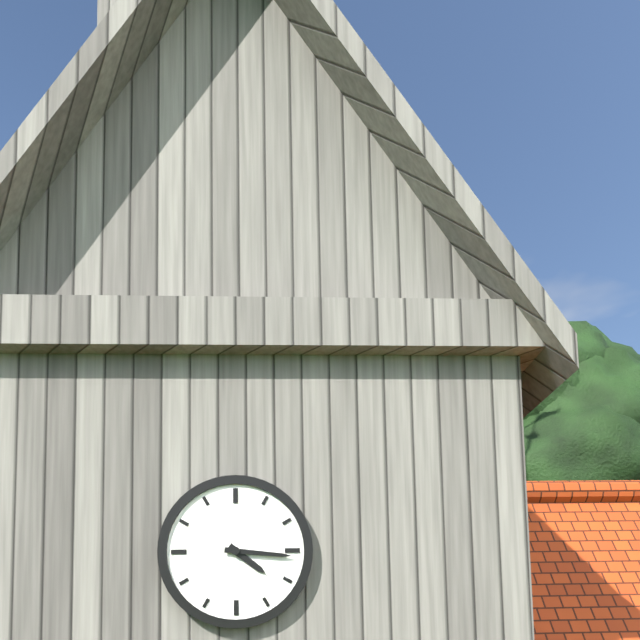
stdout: 4:16
